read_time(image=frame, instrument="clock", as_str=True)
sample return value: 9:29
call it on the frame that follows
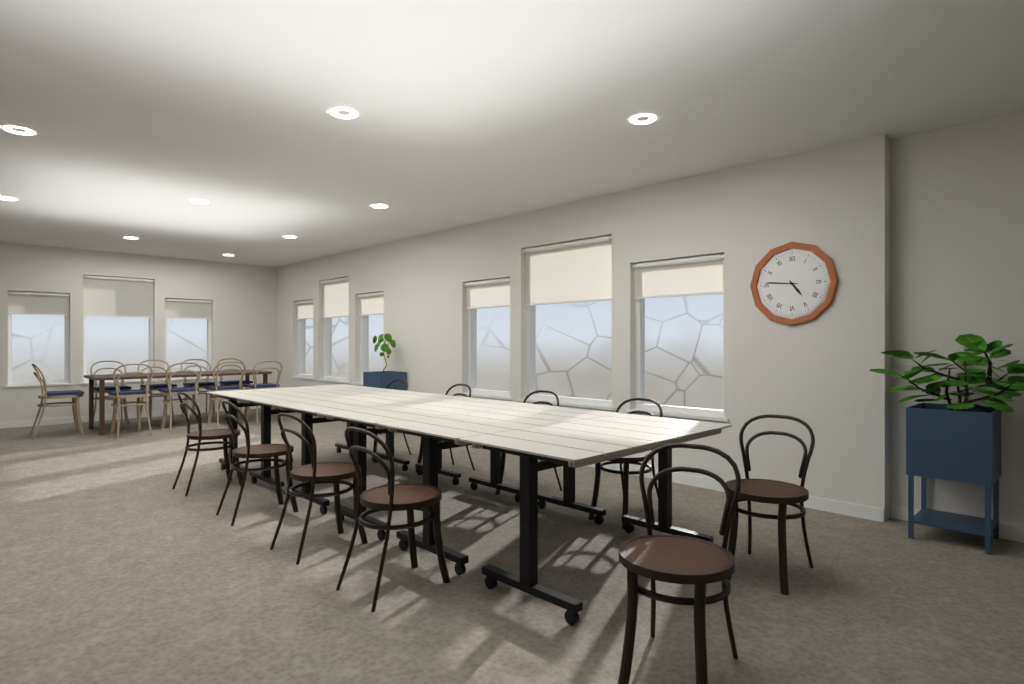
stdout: 4:46
